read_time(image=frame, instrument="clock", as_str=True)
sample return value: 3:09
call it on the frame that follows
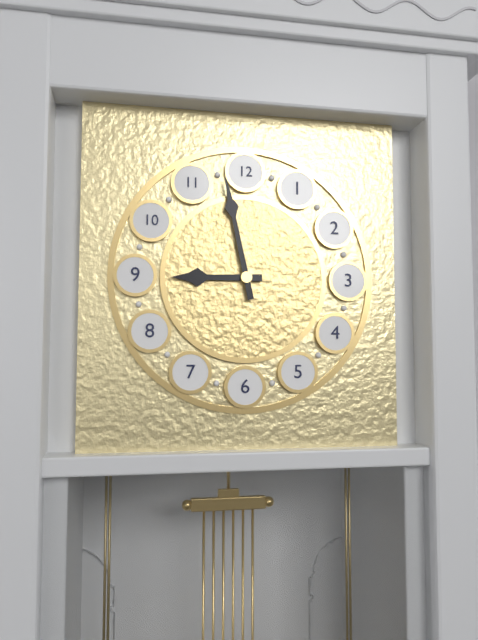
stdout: 8:58
